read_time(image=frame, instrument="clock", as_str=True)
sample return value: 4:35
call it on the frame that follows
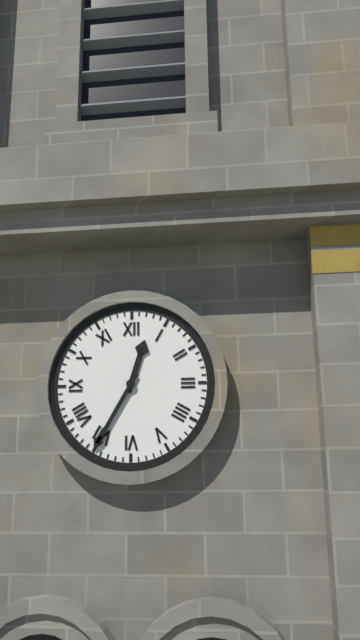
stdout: 12:35
